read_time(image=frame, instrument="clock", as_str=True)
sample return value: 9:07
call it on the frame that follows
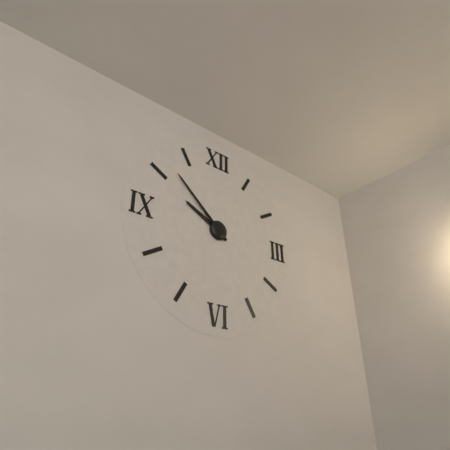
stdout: 9:52
